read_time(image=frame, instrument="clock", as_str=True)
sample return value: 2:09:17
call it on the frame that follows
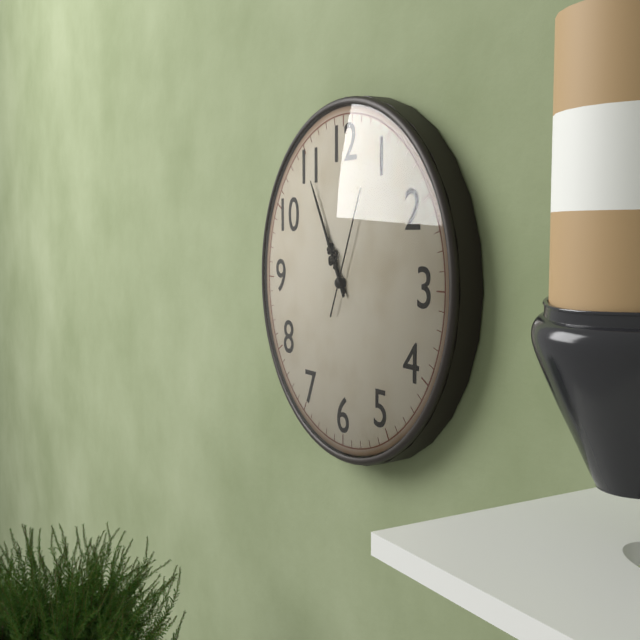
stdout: 10:55:04
